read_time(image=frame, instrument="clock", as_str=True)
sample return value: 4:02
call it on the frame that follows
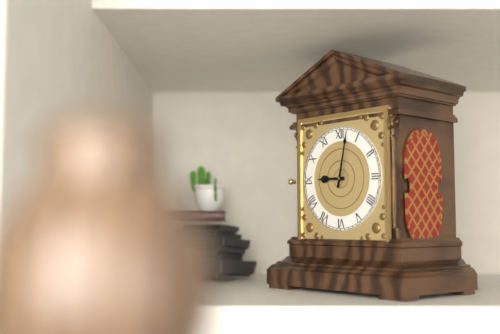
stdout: 9:02
